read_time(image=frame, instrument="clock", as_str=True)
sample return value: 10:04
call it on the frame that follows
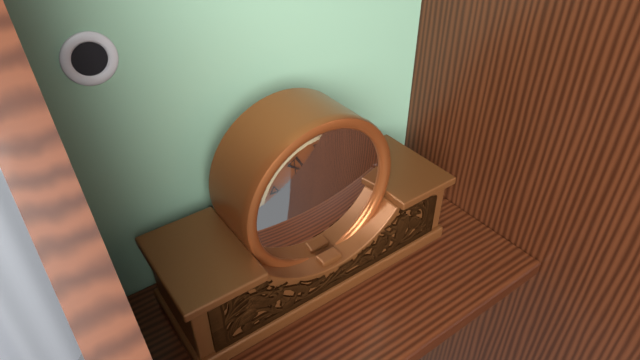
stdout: 5:48
